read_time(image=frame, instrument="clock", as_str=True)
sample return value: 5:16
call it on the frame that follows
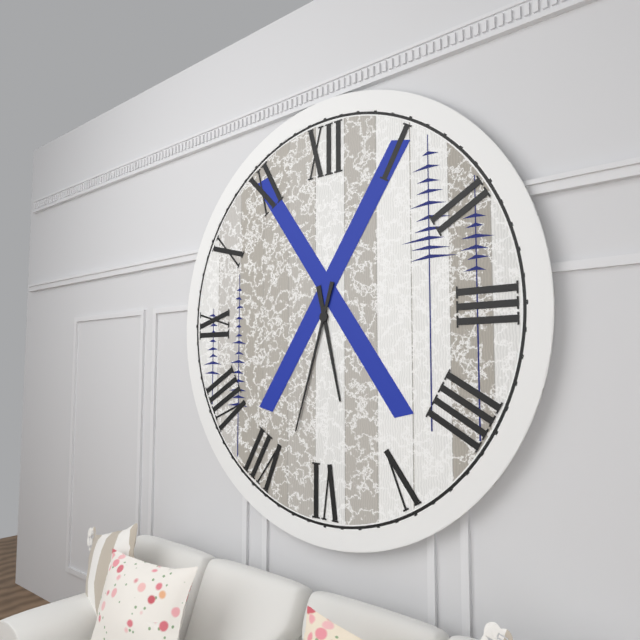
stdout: 5:33
